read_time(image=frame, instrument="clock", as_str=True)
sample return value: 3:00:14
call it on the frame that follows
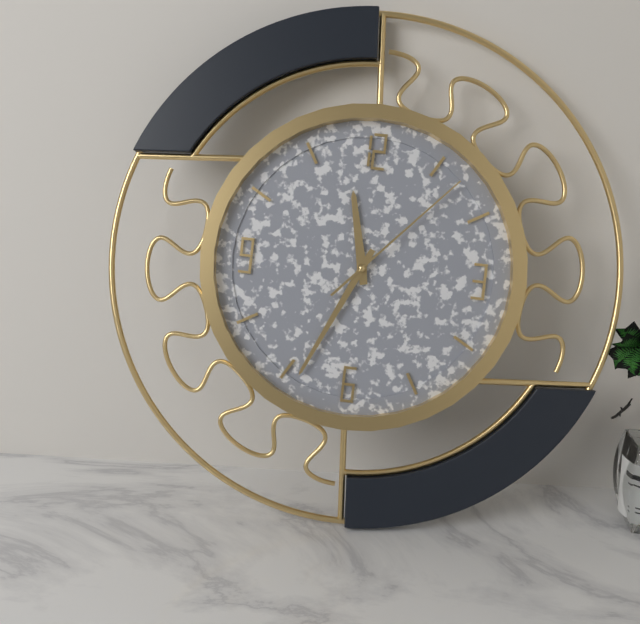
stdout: 11:34:07
